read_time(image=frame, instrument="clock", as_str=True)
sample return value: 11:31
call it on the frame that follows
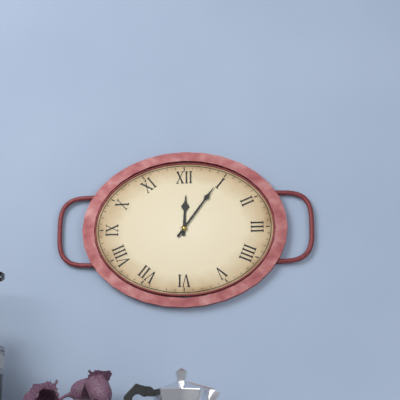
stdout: 12:06
